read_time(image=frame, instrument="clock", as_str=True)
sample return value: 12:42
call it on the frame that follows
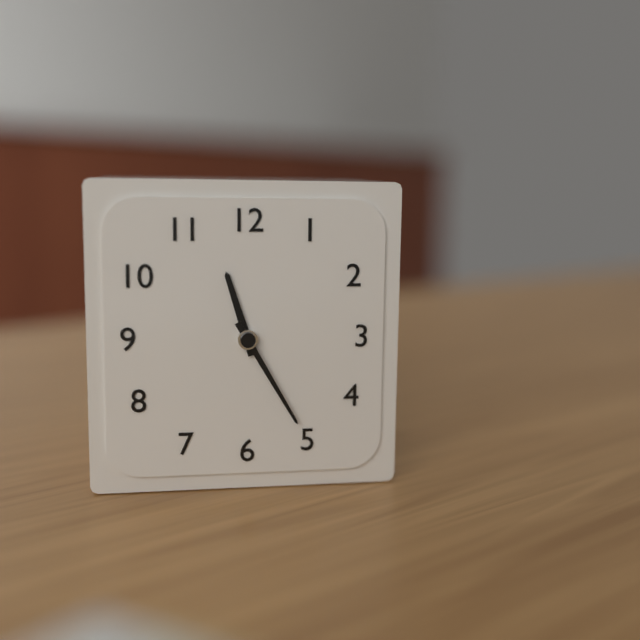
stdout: 11:25
